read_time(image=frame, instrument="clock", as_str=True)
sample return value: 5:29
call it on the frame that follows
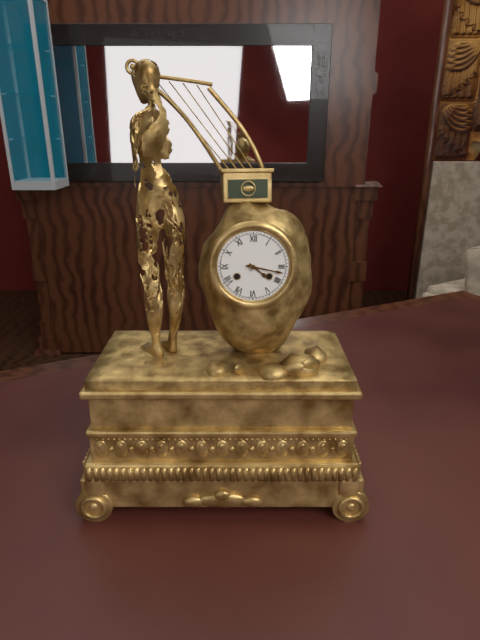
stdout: 4:17
